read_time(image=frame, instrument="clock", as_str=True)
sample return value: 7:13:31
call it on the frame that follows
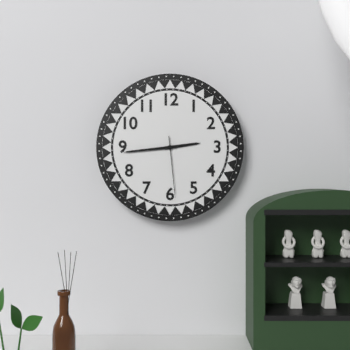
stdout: 2:44:29
